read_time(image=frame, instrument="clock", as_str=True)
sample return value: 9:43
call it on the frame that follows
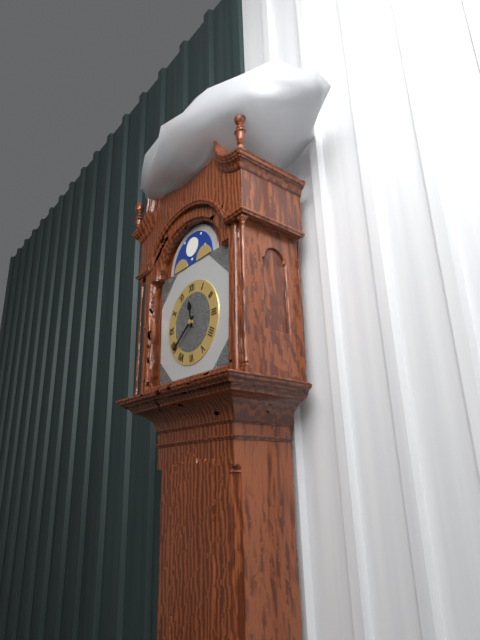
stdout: 11:39
